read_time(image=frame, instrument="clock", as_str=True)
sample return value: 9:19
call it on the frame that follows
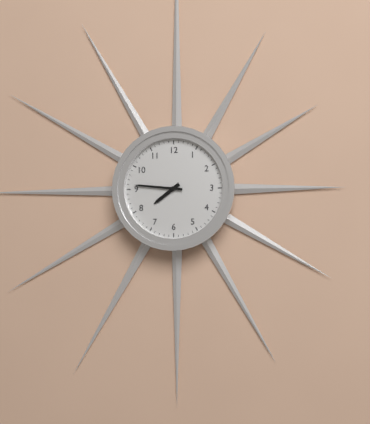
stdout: 7:46
